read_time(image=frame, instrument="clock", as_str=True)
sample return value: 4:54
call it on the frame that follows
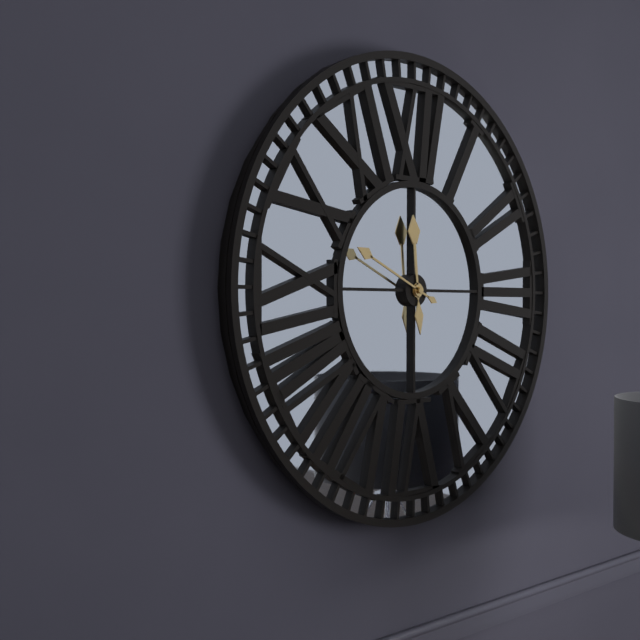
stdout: 11:49
